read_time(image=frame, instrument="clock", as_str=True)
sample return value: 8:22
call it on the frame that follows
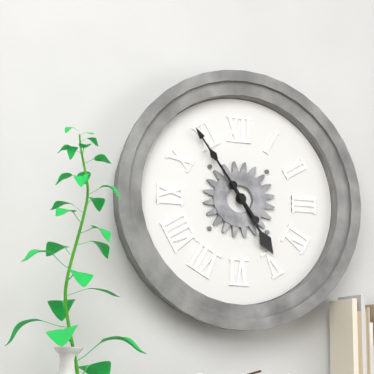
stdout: 4:54
